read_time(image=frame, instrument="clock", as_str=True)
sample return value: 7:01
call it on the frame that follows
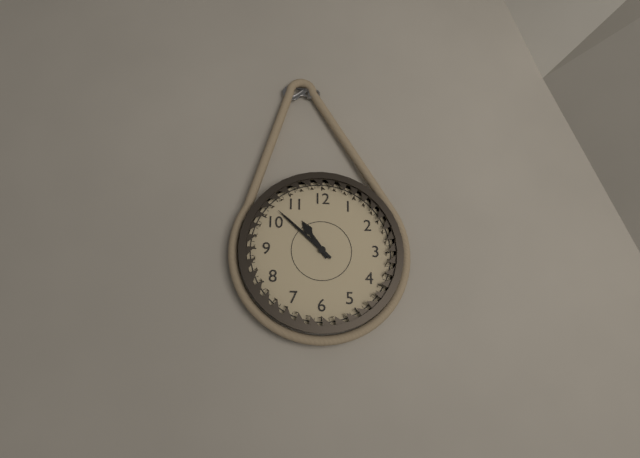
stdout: 10:52
